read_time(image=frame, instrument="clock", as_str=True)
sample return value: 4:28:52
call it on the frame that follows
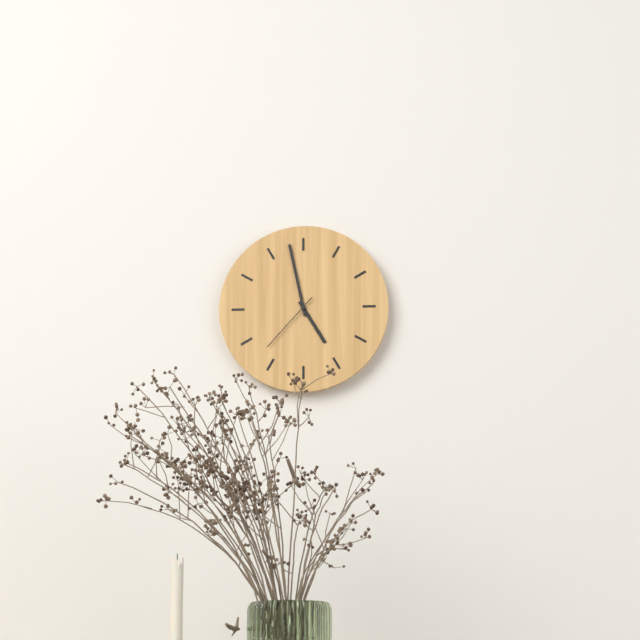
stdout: 4:58:37
